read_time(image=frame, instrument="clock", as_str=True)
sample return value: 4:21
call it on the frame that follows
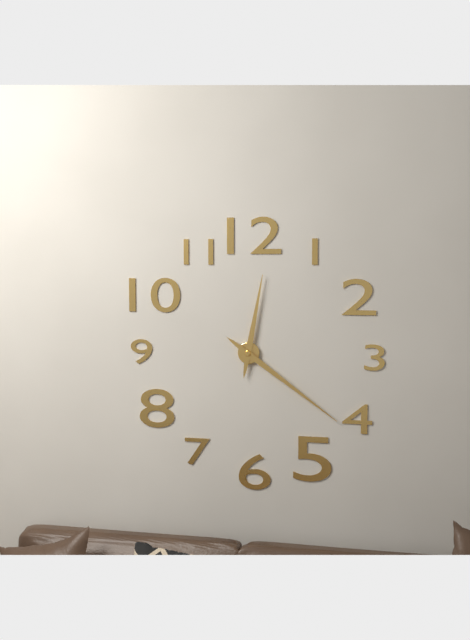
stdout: 12:21
